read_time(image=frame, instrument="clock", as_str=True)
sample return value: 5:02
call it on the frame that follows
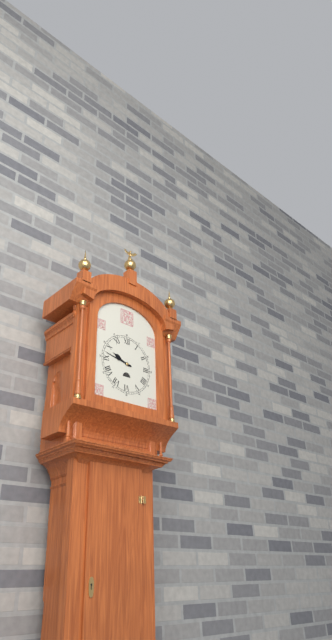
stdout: 9:47
